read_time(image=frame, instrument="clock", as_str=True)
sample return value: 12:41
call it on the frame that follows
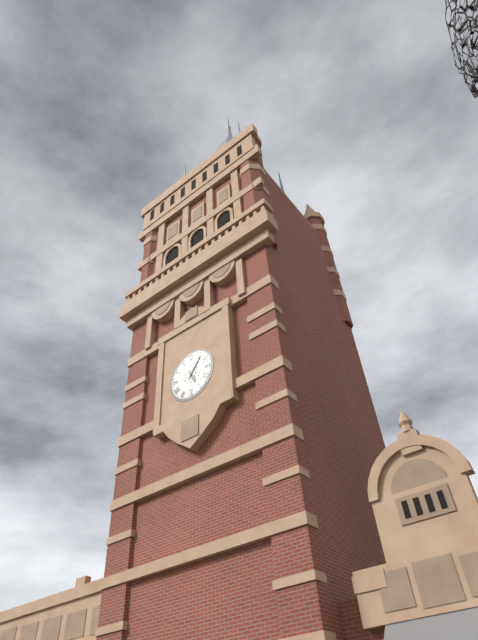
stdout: 5:06
